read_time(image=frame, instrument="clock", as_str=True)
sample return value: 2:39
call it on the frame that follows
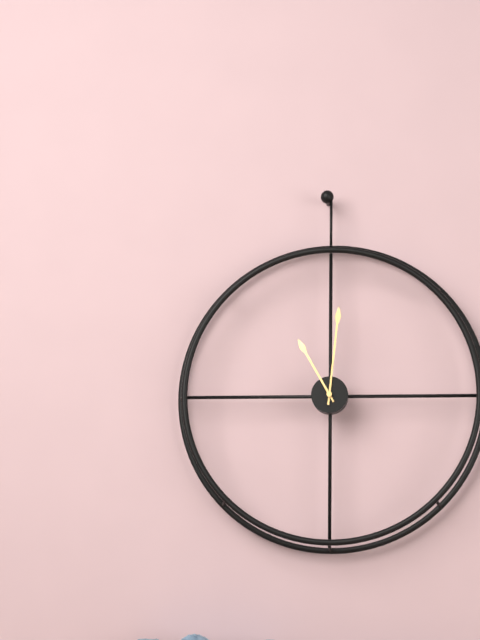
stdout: 11:01
